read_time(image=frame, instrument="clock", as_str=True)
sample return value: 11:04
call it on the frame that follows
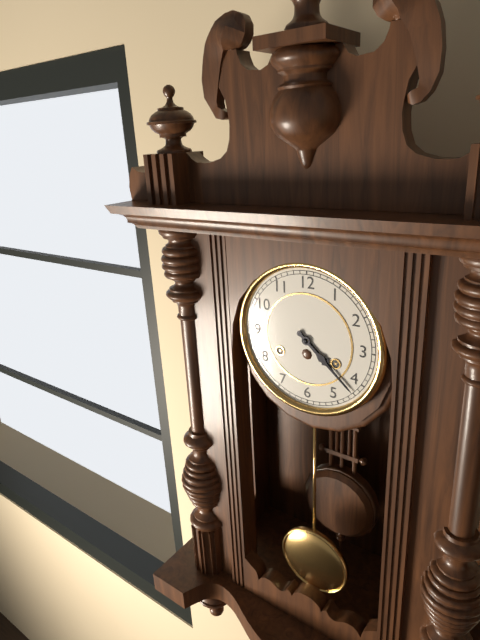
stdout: 4:22
